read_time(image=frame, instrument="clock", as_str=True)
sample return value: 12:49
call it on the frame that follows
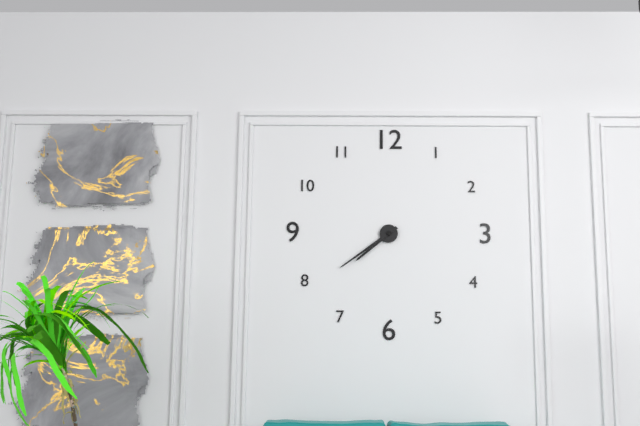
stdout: 7:39
